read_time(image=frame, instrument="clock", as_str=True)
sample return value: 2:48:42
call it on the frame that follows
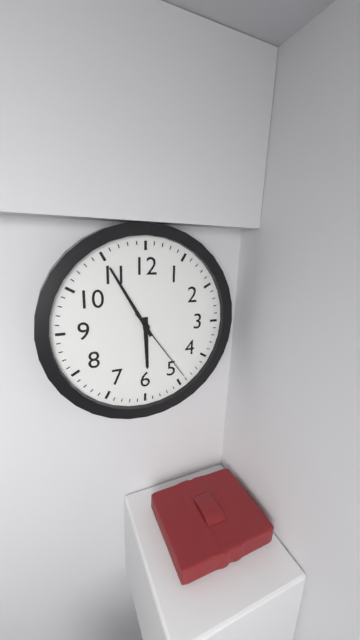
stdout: 5:55:24
